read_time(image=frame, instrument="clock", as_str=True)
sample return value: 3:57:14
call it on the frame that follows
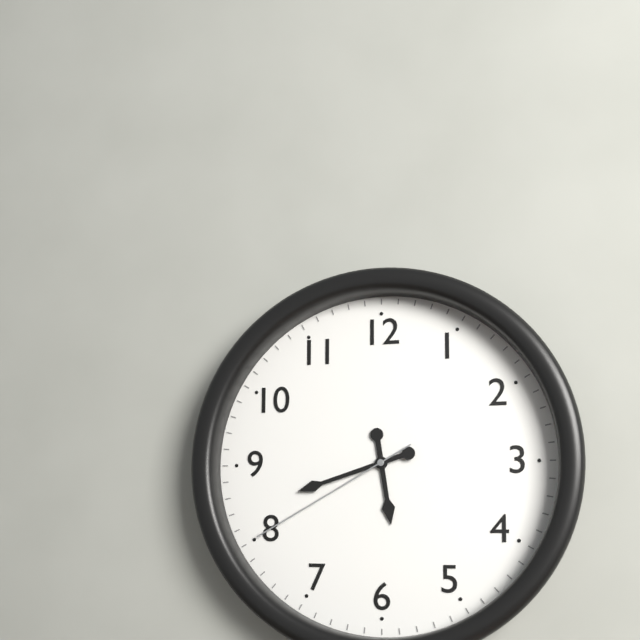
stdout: 5:42:40
